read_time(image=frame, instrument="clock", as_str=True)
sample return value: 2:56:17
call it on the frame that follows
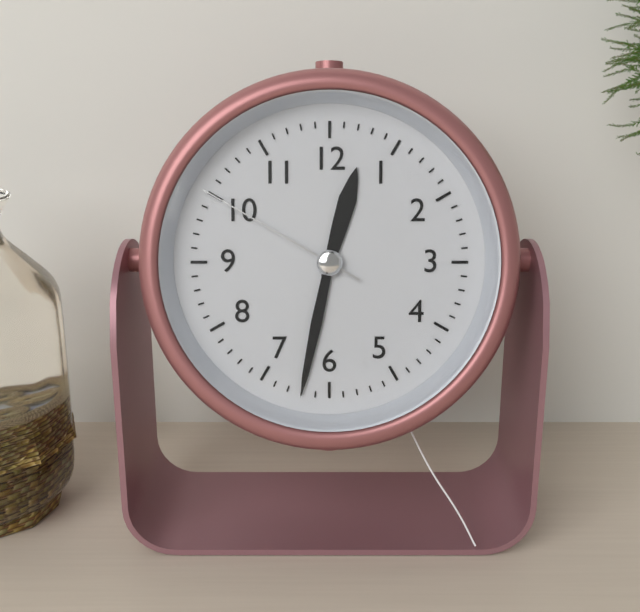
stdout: 12:32:50
